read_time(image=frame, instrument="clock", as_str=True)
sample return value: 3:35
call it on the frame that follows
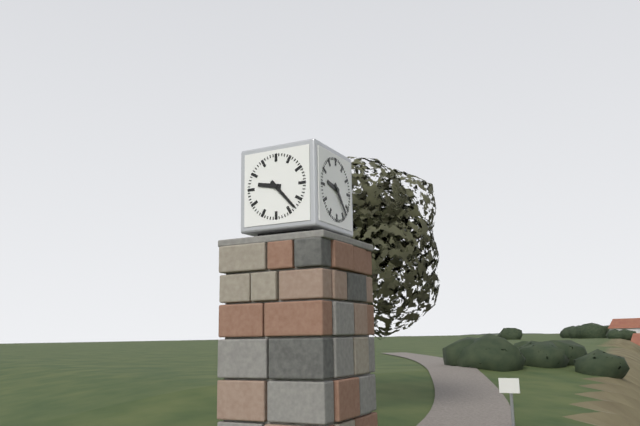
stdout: 9:23
